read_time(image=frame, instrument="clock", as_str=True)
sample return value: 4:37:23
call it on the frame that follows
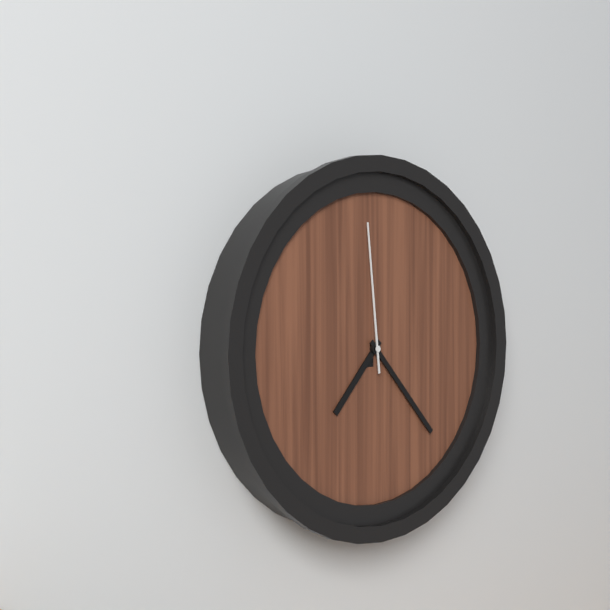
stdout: 7:23:59
